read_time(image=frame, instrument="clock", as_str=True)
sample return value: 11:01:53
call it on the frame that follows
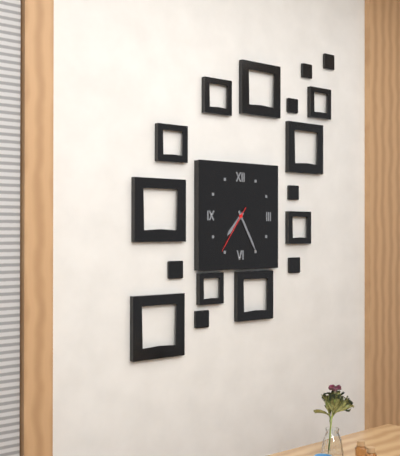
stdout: 7:25:36
